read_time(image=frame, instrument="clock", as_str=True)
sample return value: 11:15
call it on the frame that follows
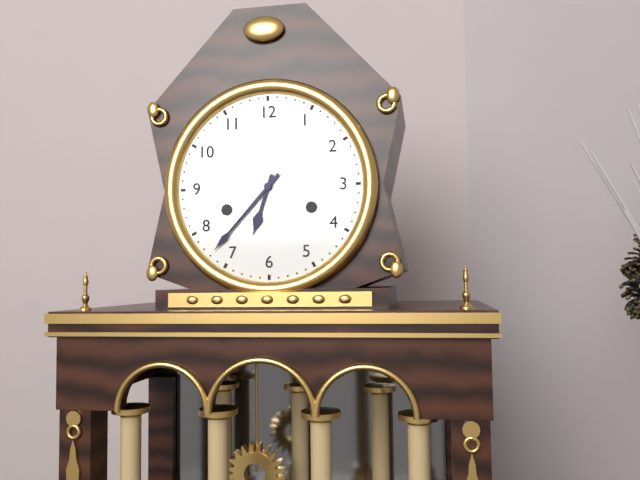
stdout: 6:37
